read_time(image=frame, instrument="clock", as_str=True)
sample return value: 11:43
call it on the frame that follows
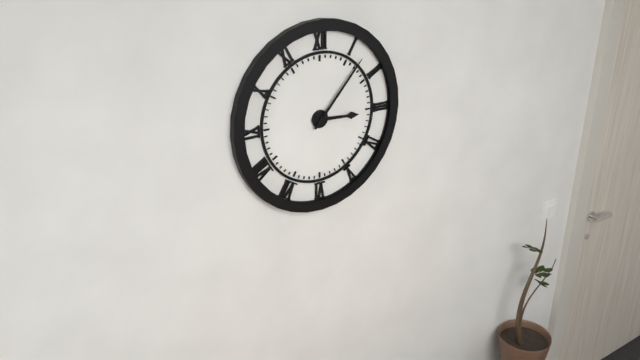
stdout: 3:07
